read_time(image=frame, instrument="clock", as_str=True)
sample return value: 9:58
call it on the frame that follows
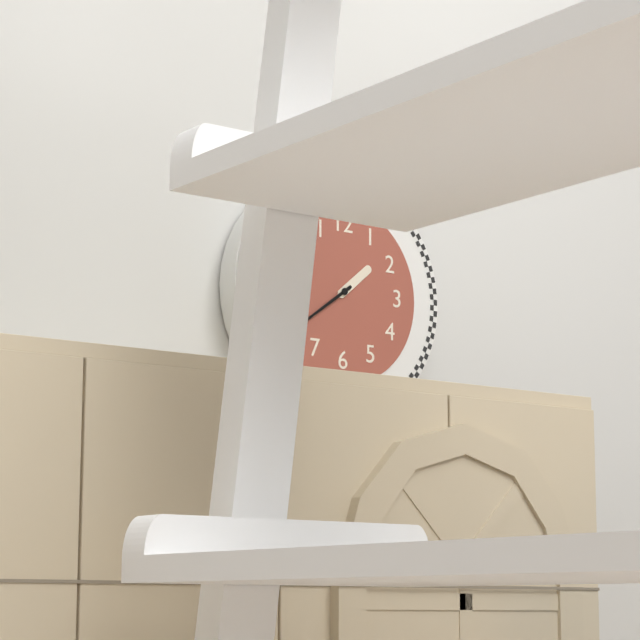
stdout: 1:39
